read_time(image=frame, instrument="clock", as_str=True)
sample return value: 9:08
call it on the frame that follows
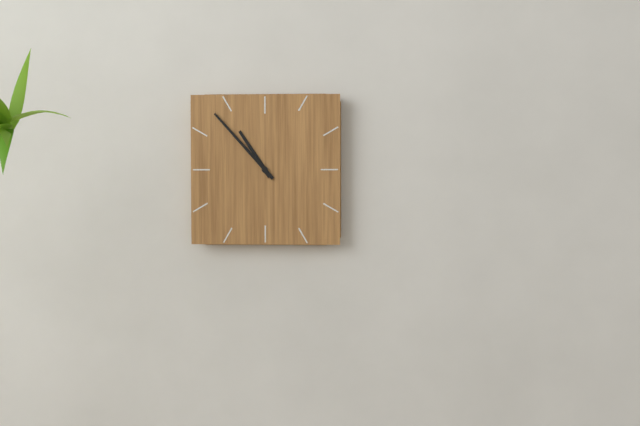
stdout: 10:53
